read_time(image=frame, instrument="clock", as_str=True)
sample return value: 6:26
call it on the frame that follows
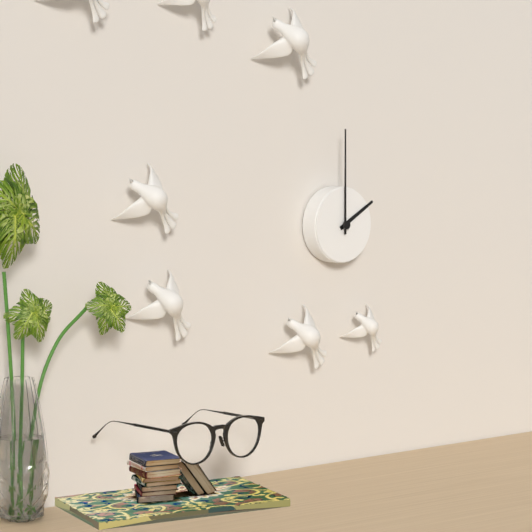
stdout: 2:00
